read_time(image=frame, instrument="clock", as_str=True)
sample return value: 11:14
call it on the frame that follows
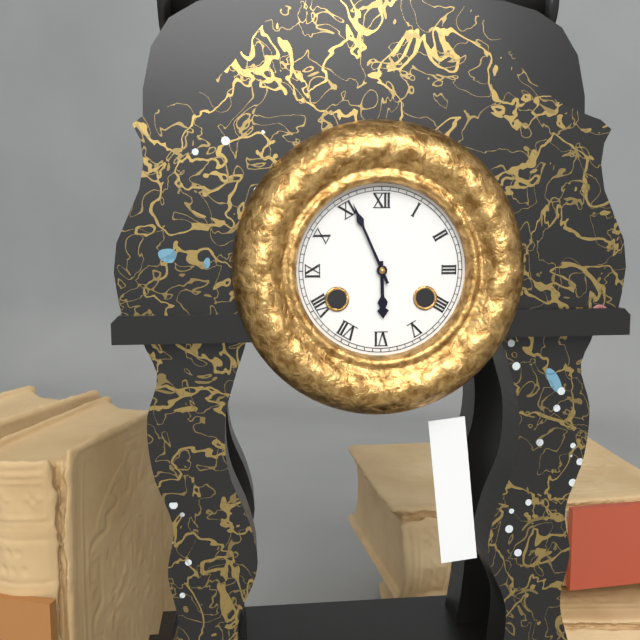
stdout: 5:56
